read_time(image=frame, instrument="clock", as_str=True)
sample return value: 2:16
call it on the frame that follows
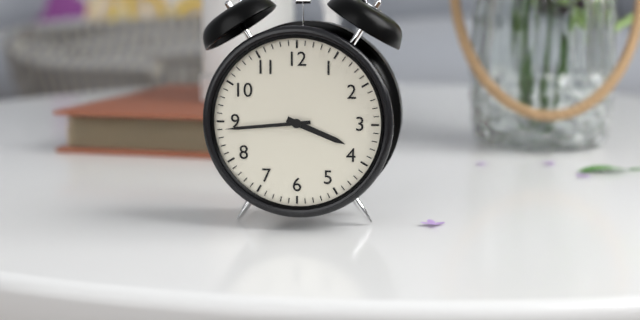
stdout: 3:44
